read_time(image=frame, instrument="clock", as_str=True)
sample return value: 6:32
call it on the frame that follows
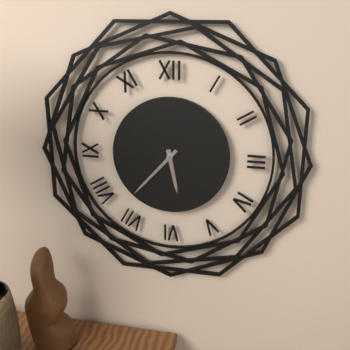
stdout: 5:37
